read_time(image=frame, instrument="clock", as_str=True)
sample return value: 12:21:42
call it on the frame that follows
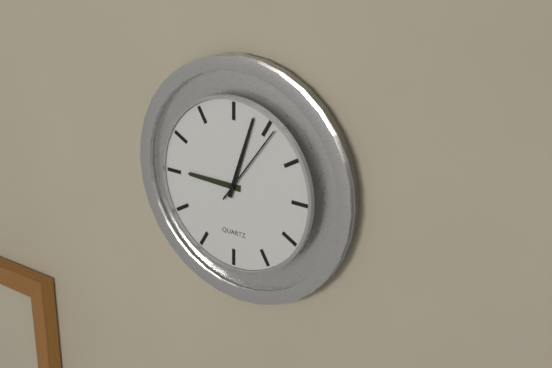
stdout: 9:03:06
